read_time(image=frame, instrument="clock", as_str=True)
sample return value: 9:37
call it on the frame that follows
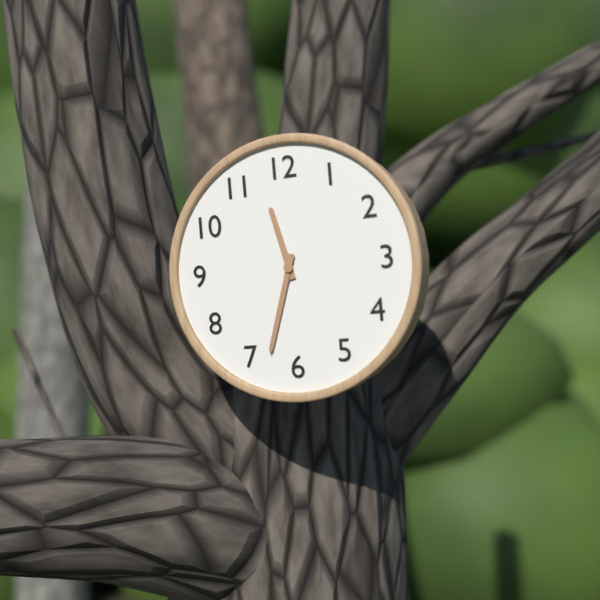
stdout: 11:33
